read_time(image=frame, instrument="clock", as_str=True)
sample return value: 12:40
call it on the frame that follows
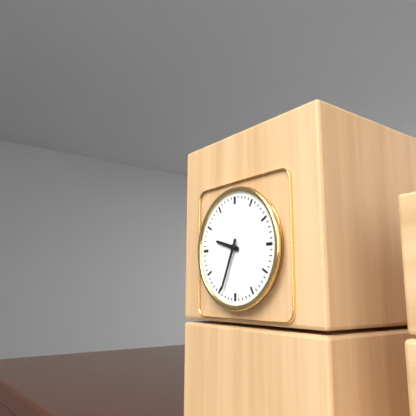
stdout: 9:34
